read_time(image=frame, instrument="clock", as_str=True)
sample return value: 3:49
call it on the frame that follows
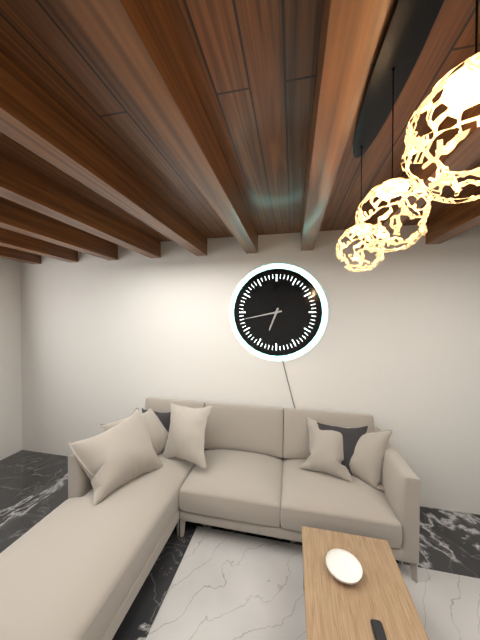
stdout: 6:43
